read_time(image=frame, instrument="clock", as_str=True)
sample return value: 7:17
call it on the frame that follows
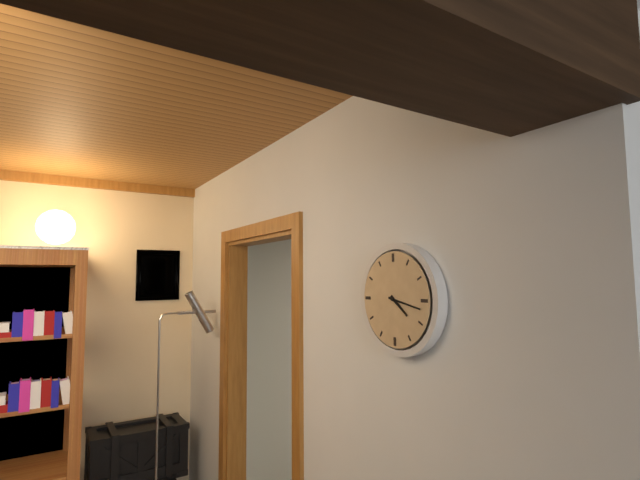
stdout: 4:17
